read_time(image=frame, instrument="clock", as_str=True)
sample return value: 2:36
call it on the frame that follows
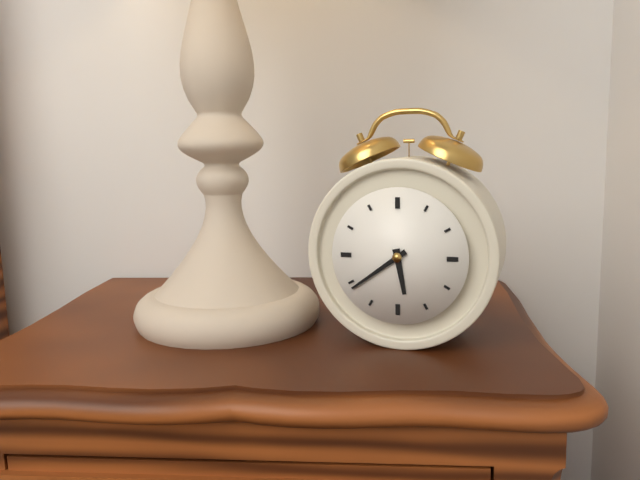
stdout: 5:39
